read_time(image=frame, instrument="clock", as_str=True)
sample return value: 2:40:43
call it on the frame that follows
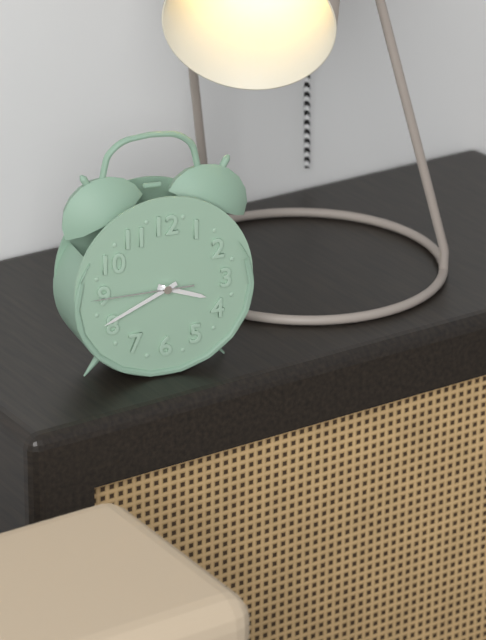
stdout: 3:41:45
